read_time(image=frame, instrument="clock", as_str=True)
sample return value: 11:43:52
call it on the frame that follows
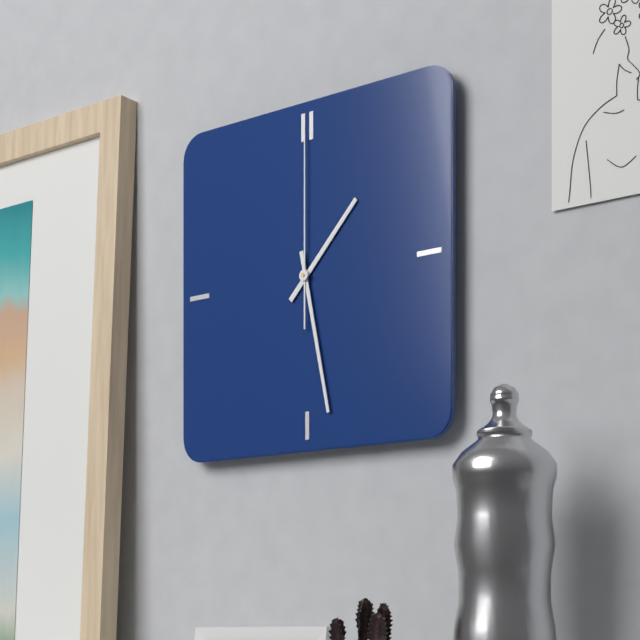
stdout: 1:28:00
